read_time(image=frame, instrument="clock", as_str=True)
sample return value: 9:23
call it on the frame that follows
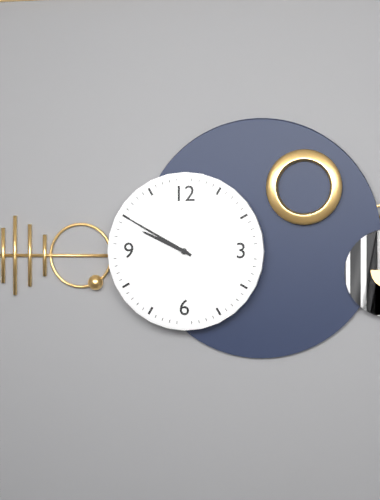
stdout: 9:50
